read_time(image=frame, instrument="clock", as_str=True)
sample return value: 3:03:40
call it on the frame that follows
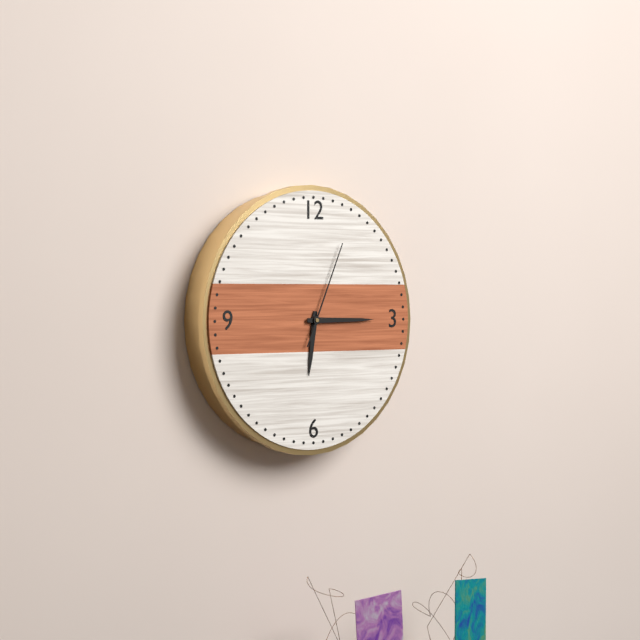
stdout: 6:15:04
